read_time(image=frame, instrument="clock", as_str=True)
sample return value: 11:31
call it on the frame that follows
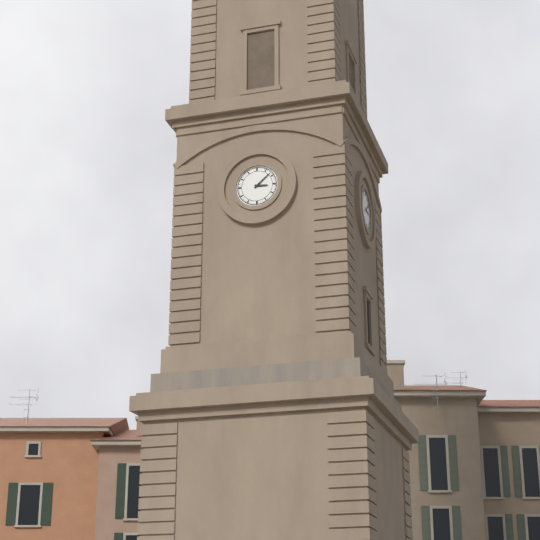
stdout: 3:08
